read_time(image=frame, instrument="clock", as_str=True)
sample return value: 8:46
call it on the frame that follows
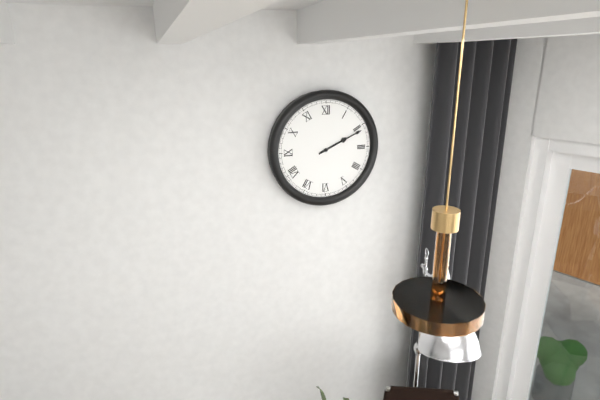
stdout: 2:11
